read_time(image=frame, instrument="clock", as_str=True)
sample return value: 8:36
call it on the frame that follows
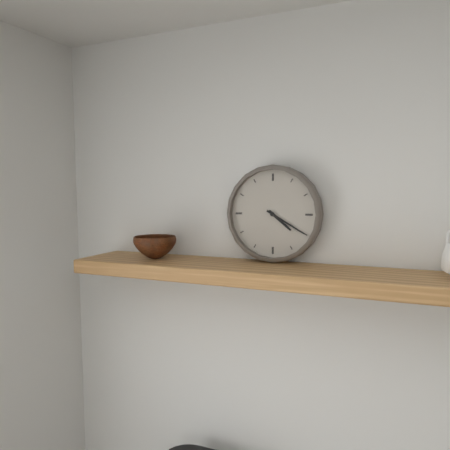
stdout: 4:20
